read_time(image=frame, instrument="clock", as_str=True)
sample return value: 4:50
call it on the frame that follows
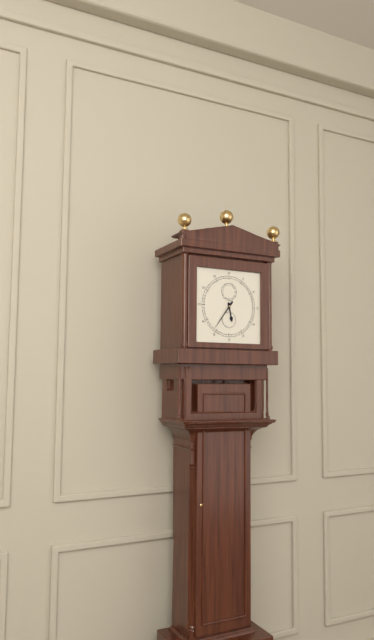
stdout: 5:36
